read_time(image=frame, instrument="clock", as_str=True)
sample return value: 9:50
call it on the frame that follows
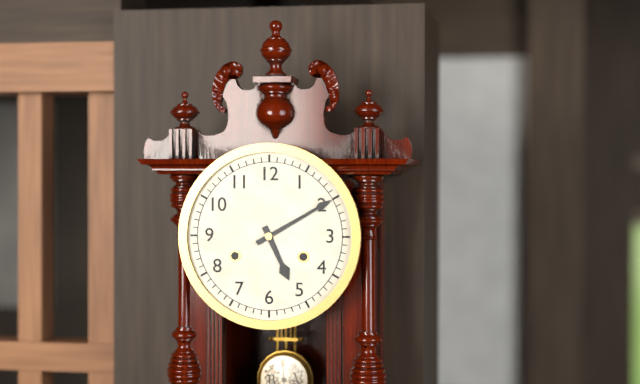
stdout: 5:10
